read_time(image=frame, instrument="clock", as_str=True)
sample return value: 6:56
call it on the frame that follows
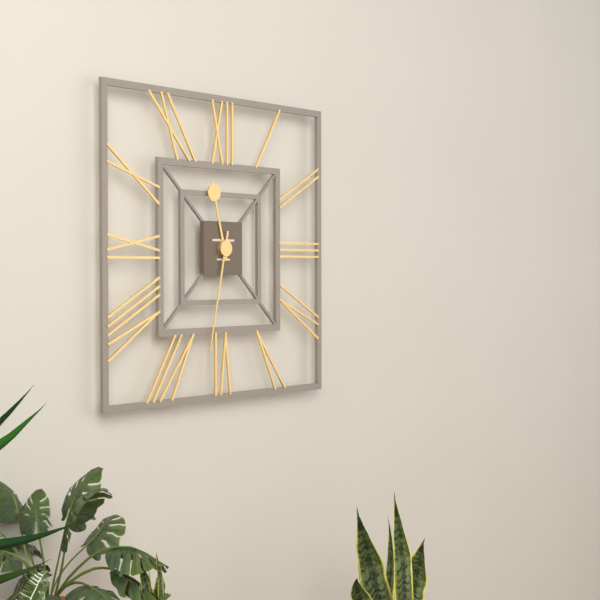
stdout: 11:32
